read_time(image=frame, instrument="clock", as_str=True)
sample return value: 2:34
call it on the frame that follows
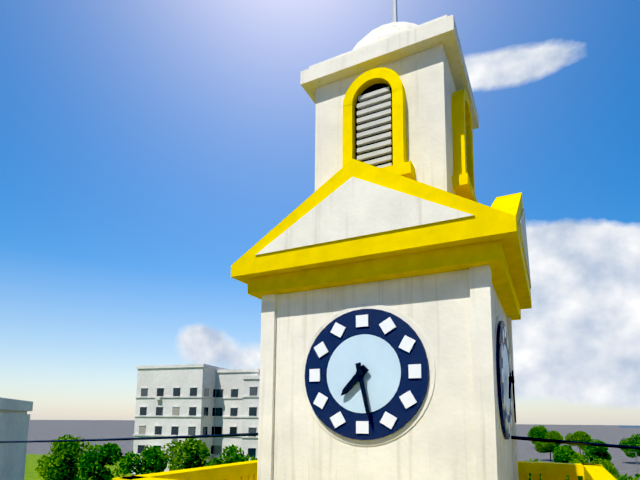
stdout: 7:28
